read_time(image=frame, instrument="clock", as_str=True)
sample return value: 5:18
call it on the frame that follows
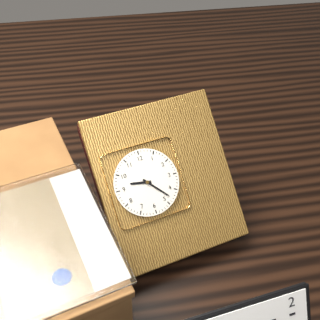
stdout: 9:23
